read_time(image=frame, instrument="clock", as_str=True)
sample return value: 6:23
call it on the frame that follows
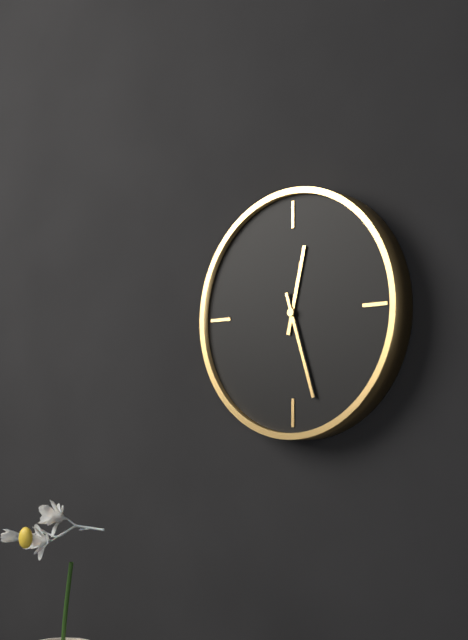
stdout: 12:27
